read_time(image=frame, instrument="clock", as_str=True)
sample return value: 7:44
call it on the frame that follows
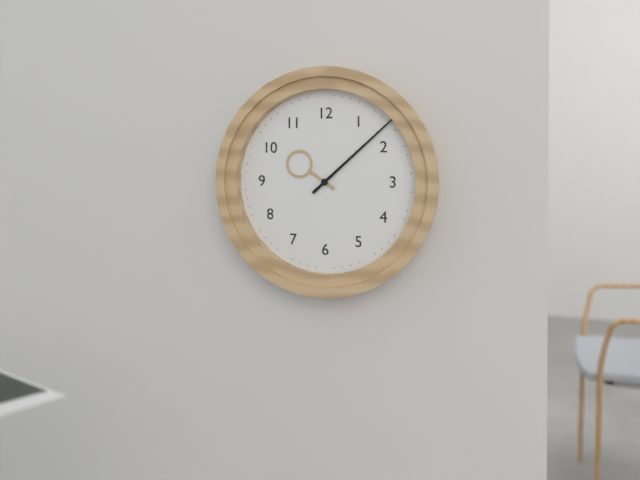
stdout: 10:08
